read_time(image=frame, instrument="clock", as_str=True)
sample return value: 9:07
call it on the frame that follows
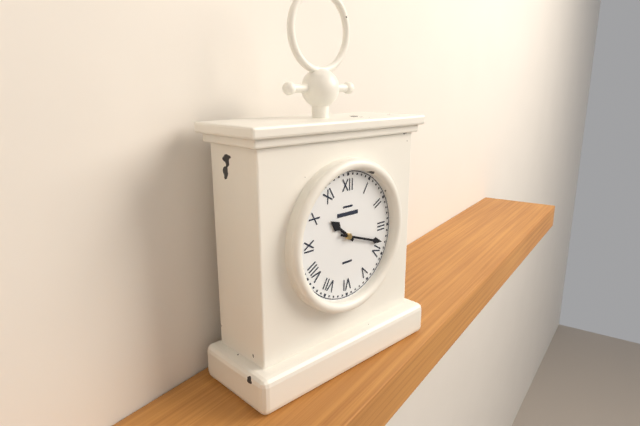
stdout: 10:18
